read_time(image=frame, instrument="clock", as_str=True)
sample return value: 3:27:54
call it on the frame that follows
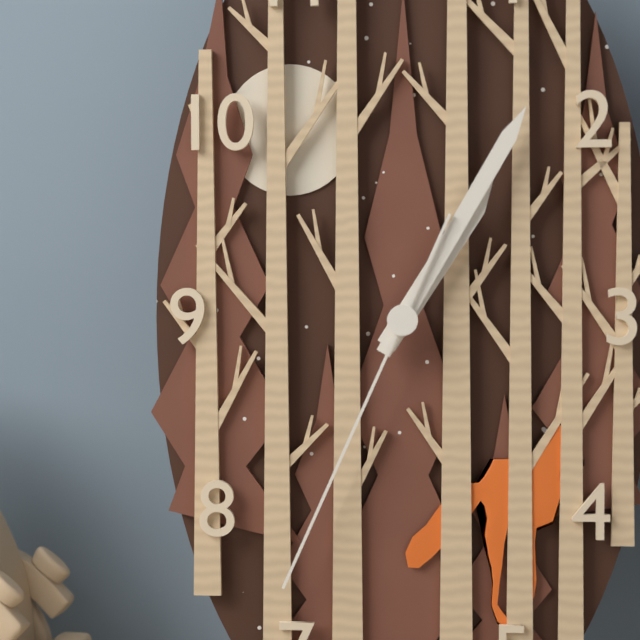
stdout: 1:05:34
